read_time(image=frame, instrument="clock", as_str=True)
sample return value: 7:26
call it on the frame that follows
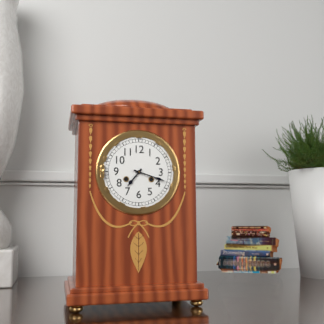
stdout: 7:18
